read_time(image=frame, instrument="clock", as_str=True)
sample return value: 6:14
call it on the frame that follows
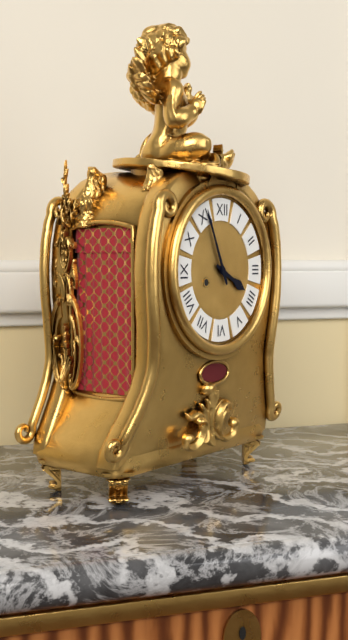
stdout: 3:56
